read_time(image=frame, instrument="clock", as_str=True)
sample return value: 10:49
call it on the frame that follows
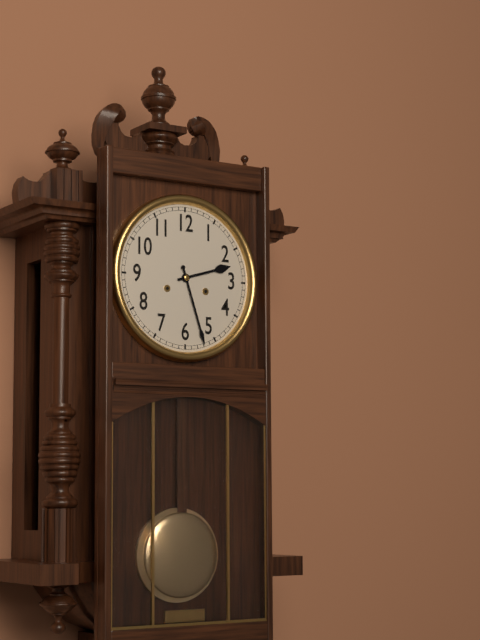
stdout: 2:27
